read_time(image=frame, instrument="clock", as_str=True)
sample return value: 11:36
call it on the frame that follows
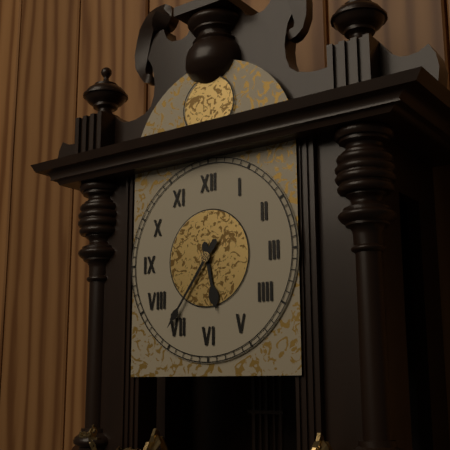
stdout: 5:36
